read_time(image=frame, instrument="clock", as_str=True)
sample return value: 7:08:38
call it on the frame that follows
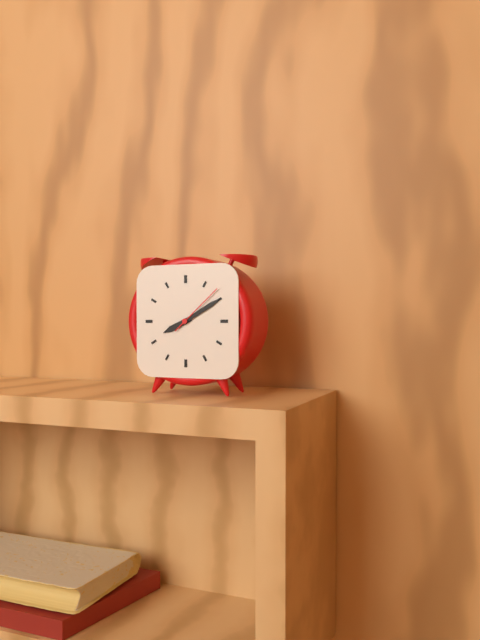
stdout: 8:10:08
